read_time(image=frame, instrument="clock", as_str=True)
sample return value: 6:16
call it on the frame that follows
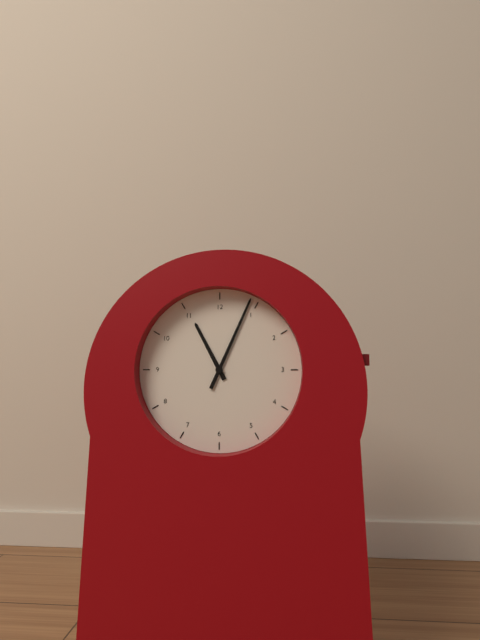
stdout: 11:04
